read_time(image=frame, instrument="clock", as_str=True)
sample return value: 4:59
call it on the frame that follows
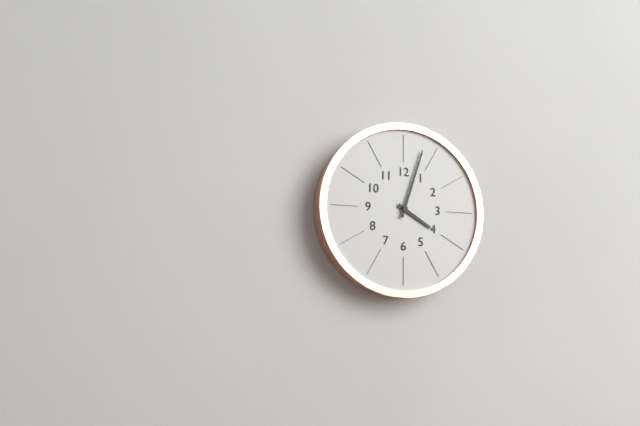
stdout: 4:03
